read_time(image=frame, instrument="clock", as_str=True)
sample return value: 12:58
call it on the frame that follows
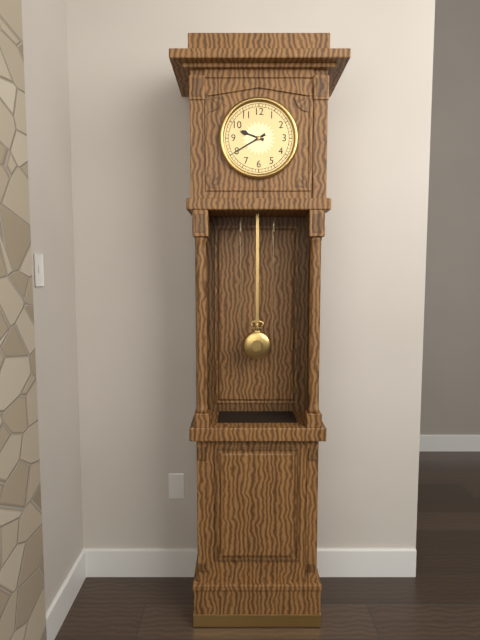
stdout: 9:40
